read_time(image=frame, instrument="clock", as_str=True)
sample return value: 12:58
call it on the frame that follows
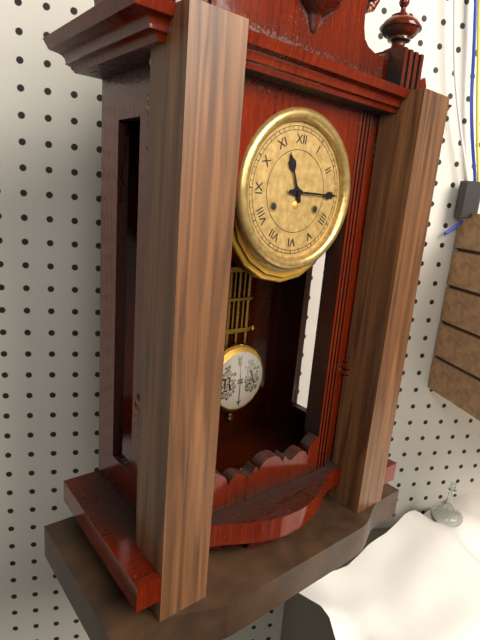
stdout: 11:15
